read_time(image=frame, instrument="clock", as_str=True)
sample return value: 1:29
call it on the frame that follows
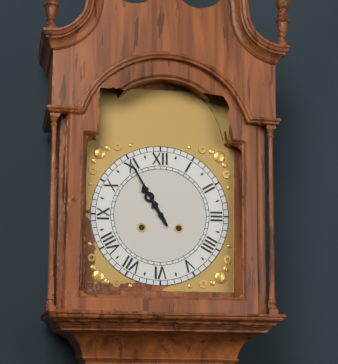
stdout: 10:55
